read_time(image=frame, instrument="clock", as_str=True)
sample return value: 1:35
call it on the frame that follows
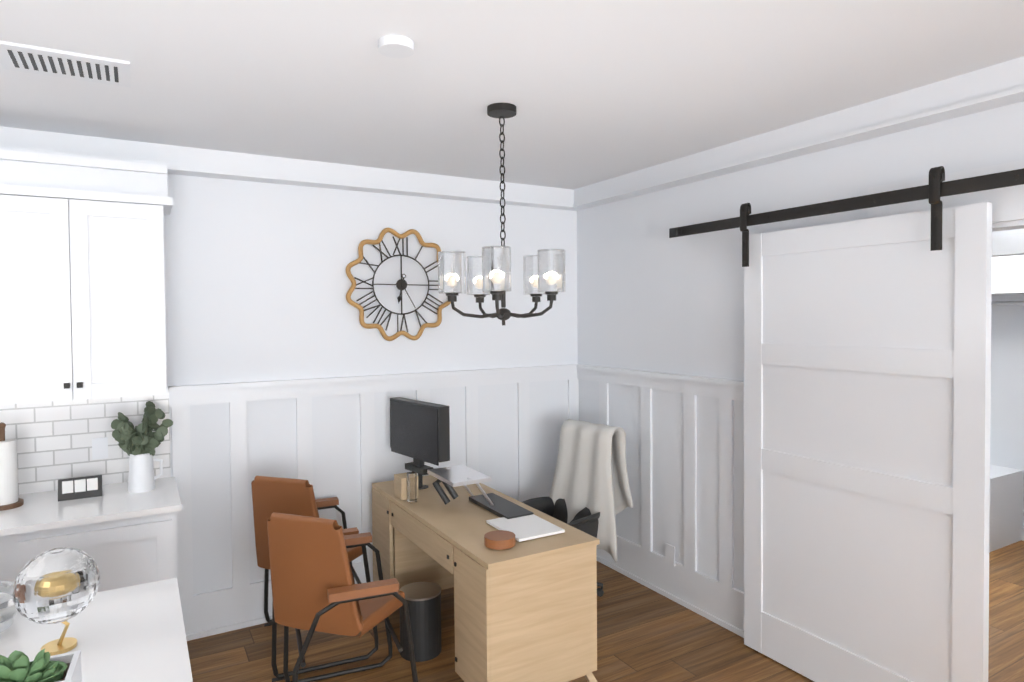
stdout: 6:25
